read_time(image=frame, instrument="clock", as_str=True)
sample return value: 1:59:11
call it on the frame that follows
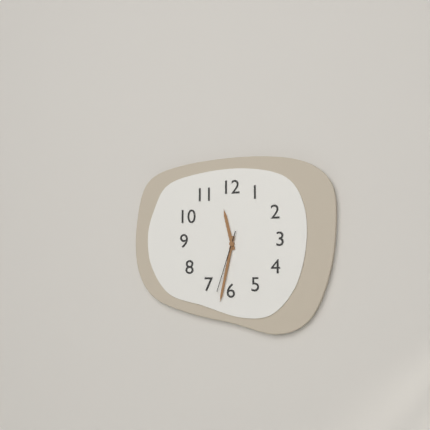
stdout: 11:32:33
